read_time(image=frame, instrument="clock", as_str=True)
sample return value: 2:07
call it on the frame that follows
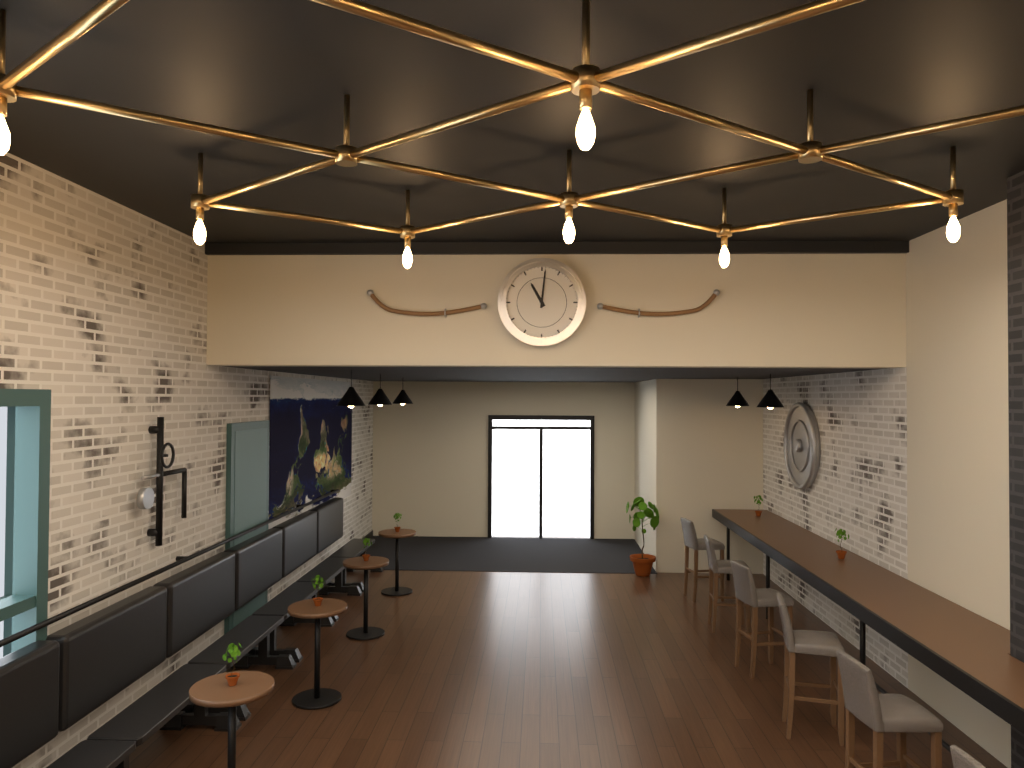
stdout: 11:01
